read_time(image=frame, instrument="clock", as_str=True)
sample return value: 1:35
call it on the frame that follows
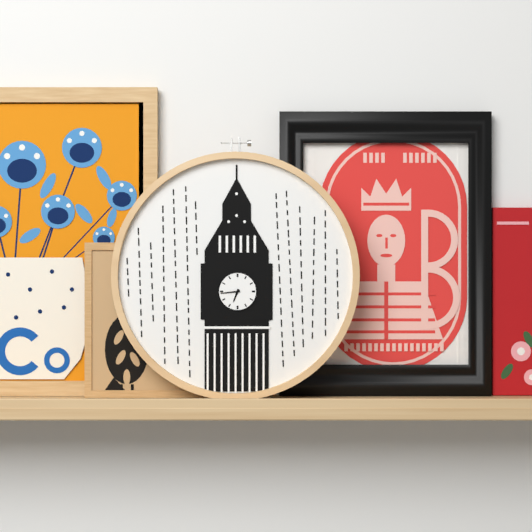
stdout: 6:44
